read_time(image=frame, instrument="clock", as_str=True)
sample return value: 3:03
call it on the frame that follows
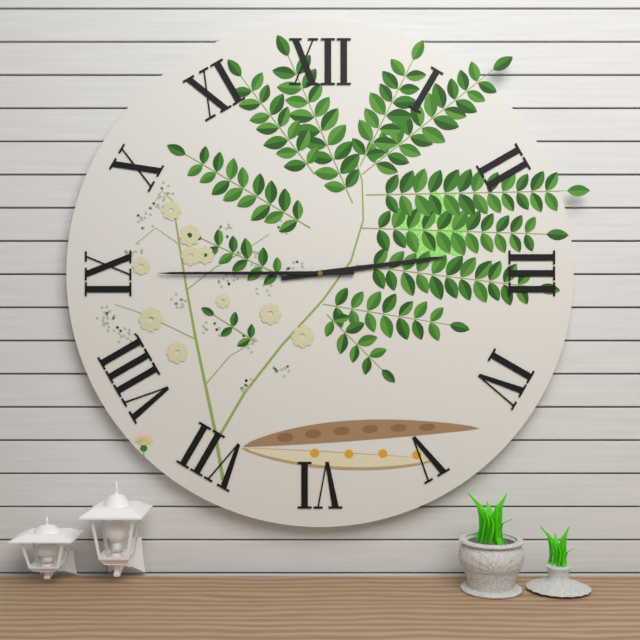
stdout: 2:45
